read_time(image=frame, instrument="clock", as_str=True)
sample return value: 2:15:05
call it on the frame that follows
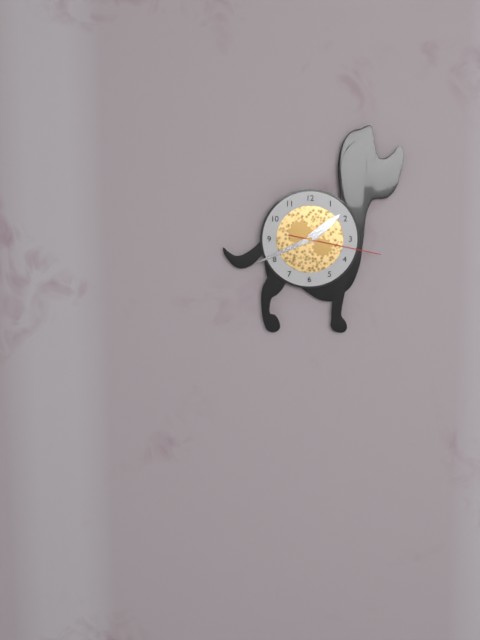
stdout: 1:41:17
